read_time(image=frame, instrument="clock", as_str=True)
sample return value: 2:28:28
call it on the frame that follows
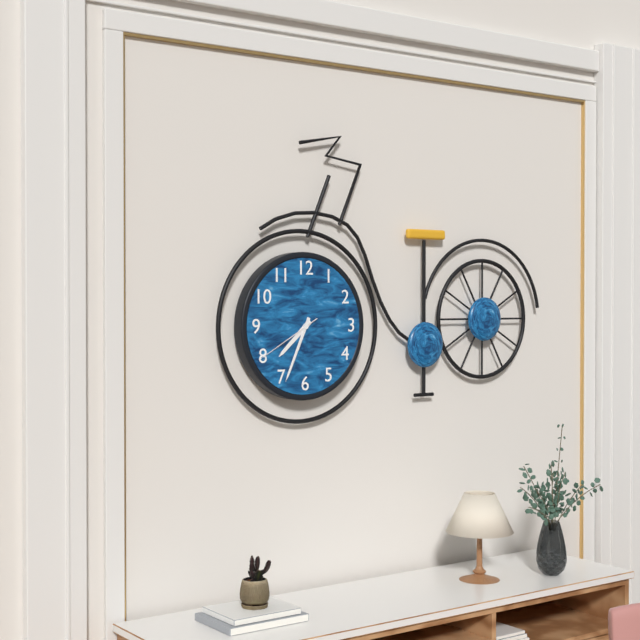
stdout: 7:34:40
